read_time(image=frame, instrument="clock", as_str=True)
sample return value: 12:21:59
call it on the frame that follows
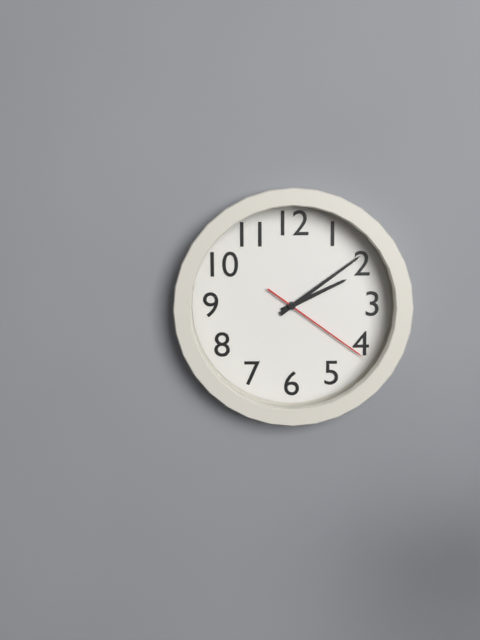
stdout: 2:09:21
